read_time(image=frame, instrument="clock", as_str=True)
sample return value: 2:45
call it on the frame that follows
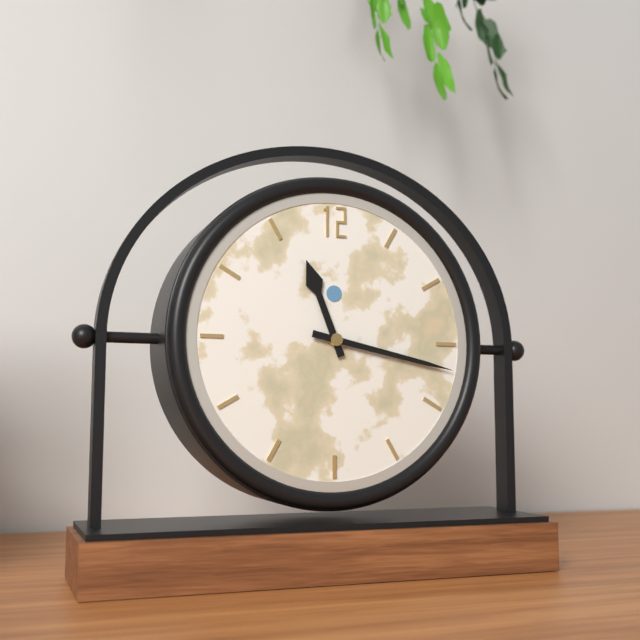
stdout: 11:17
